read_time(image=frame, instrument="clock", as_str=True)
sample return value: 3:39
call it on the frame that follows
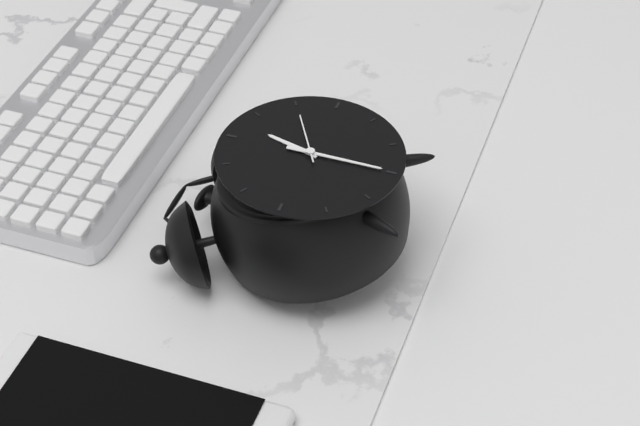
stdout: 12:30
